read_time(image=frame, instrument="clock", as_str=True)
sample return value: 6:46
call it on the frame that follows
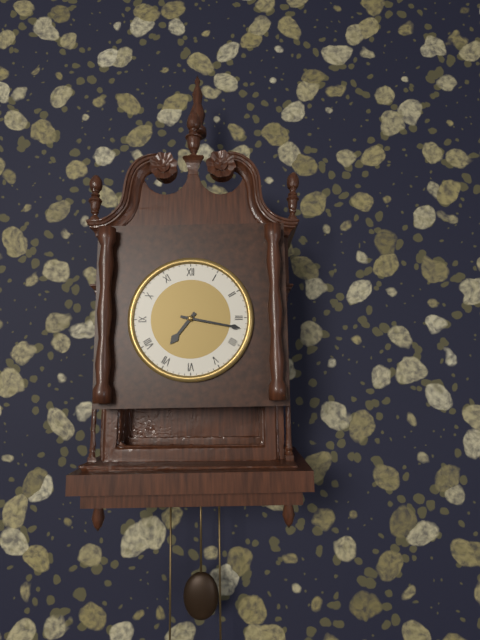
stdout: 7:17
